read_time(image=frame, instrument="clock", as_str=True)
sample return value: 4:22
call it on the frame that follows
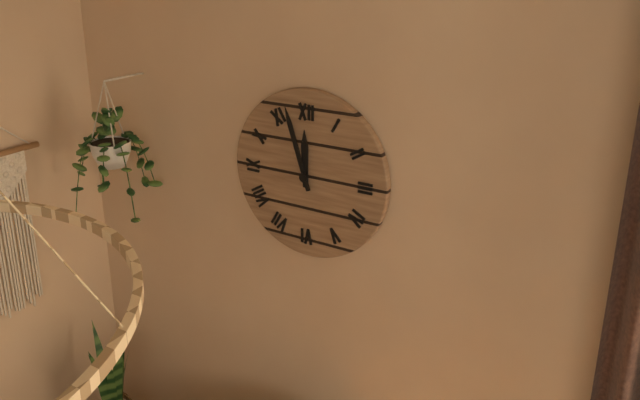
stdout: 11:57
